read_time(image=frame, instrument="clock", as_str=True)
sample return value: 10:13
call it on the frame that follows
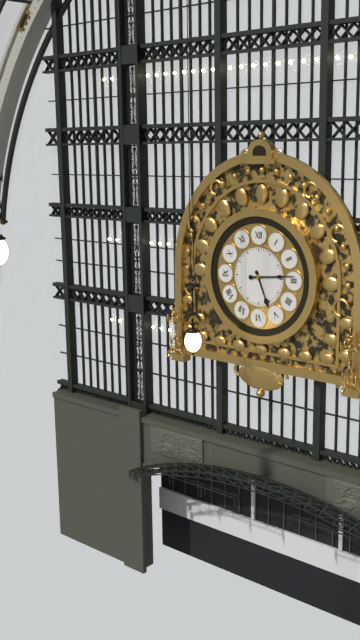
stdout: 5:14
